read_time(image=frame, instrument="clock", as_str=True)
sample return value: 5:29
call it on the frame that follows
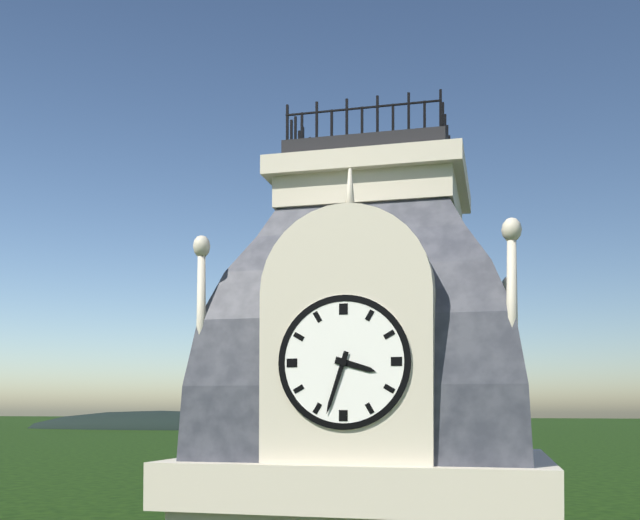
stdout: 3:33
